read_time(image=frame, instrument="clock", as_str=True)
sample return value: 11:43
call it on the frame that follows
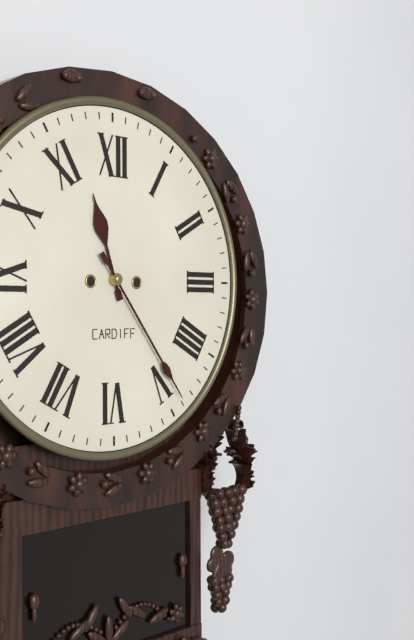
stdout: 11:24
